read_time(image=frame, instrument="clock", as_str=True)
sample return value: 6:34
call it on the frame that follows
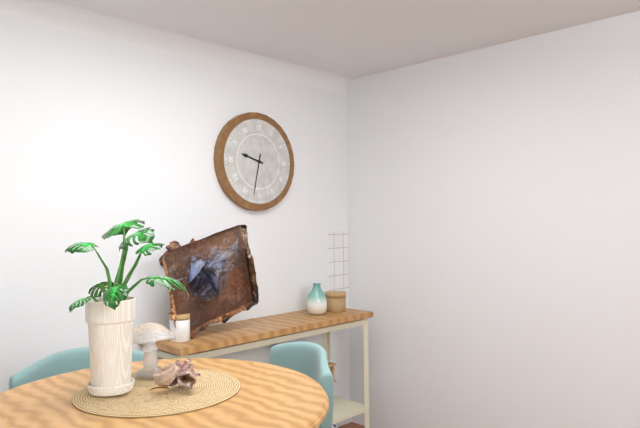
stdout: 9:32
